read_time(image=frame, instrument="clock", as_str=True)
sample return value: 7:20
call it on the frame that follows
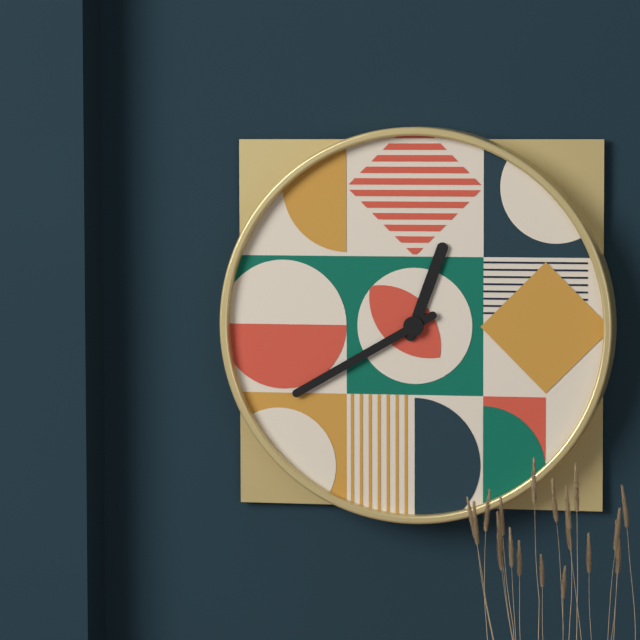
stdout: 12:40
